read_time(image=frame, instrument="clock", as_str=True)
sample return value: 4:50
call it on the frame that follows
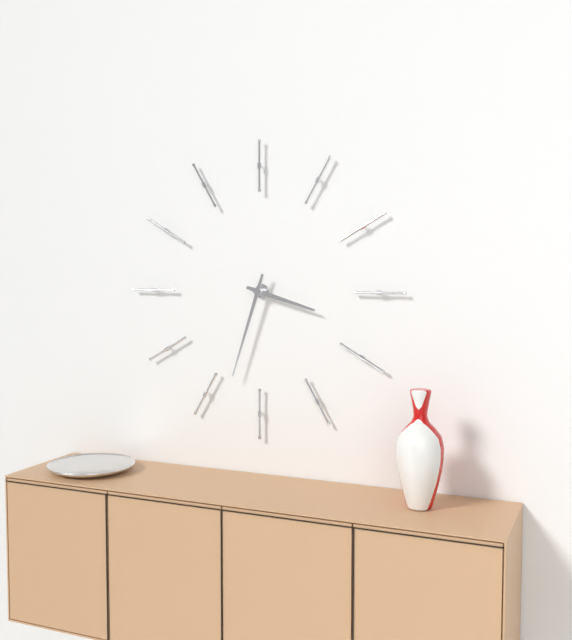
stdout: 3:33
